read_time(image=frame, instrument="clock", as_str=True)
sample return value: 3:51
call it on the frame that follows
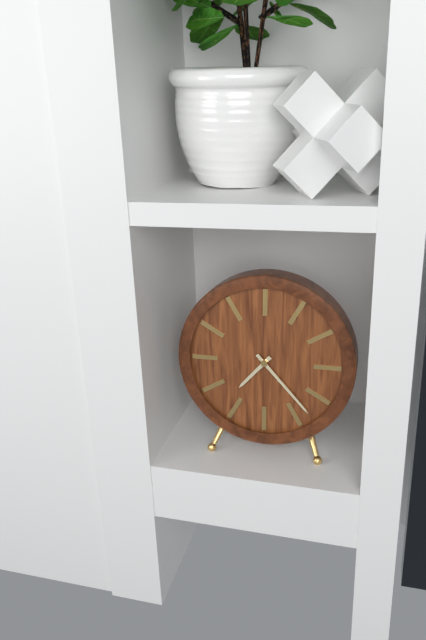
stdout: 7:23
